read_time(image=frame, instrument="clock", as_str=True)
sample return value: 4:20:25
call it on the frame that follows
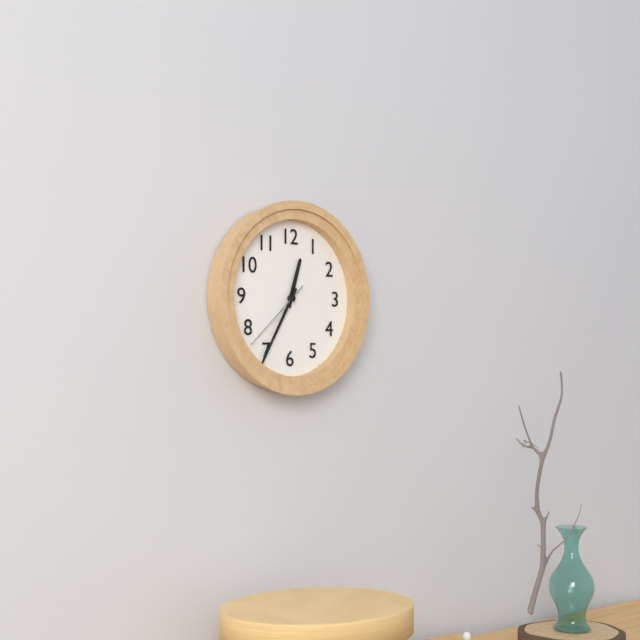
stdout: 12:35:38
